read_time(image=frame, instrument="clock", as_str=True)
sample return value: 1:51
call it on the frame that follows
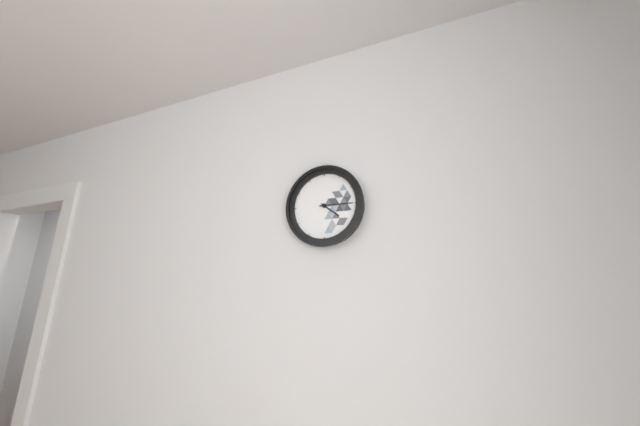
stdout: 4:15
